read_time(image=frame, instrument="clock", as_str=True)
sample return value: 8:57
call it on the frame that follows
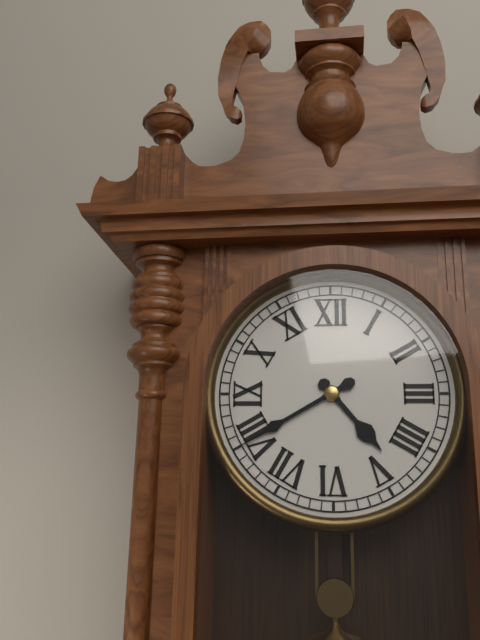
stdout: 4:40
